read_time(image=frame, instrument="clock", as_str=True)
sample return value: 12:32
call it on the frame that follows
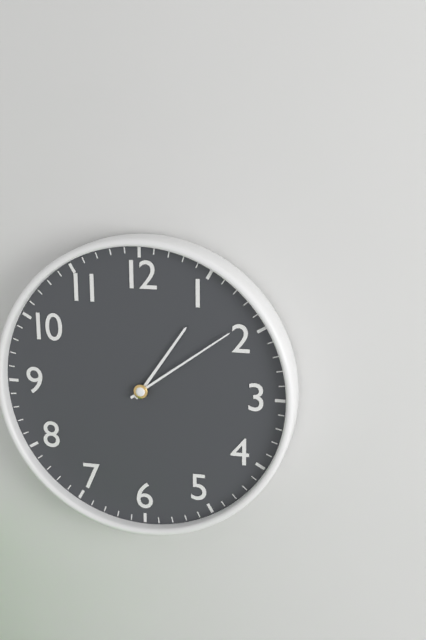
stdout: 1:09
